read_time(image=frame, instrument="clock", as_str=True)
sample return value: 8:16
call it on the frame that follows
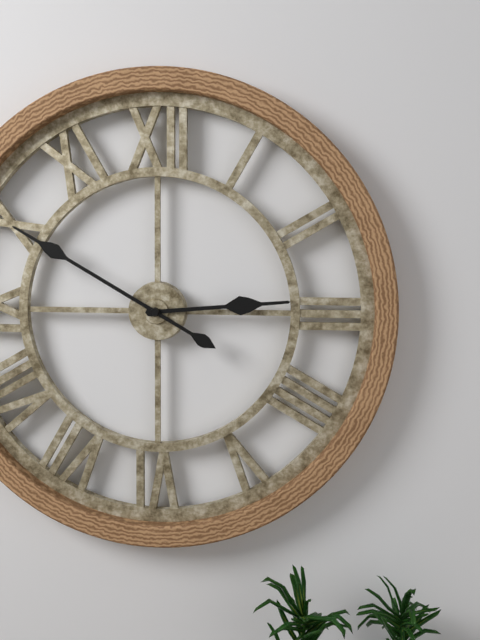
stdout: 2:50
